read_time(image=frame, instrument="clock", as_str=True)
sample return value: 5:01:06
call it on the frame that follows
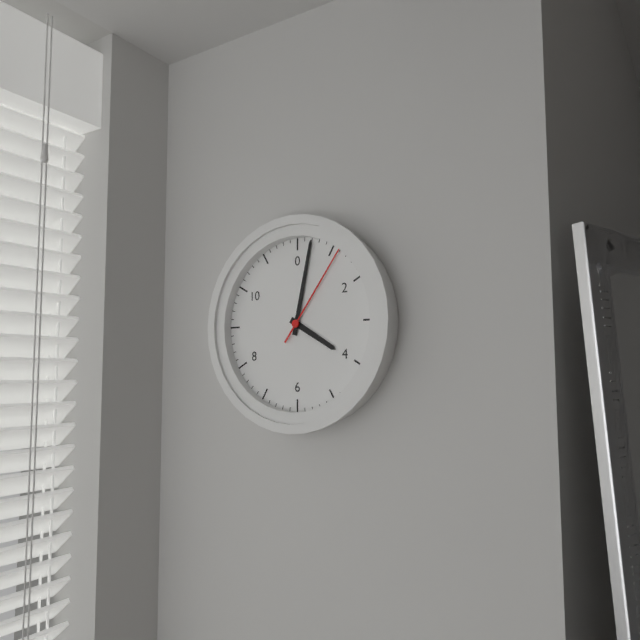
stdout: 4:02:06
